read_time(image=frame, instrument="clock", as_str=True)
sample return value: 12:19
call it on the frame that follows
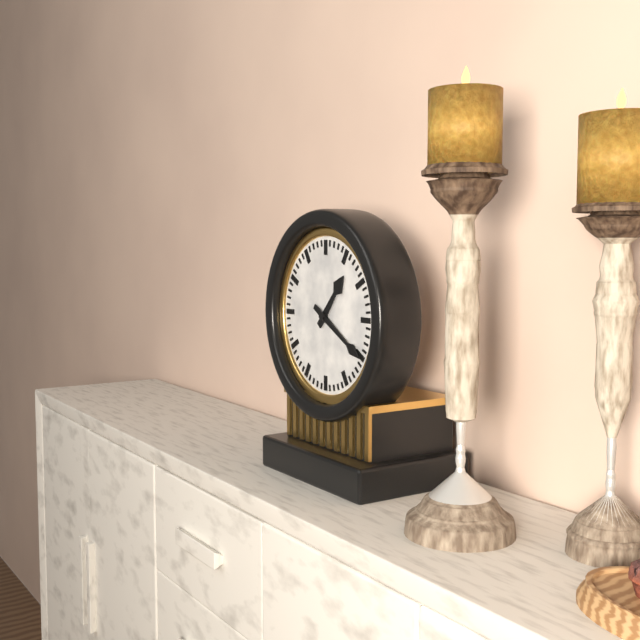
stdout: 1:20
